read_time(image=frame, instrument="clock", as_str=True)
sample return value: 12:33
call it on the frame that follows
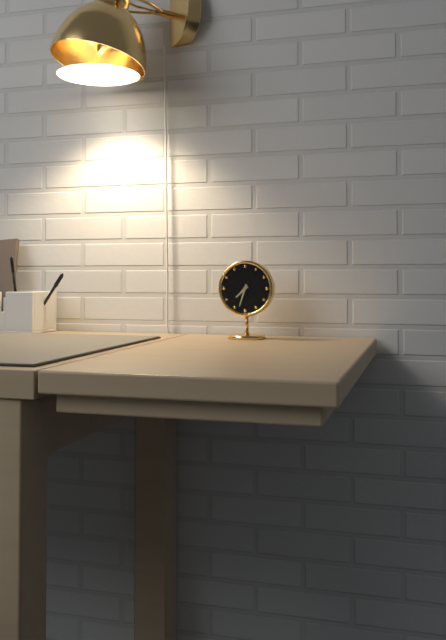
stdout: 7:33
